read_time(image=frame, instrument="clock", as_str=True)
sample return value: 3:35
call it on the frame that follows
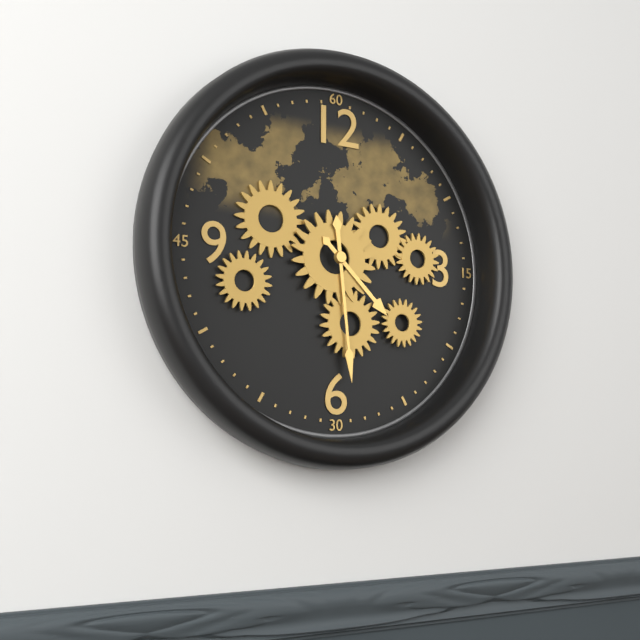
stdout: 4:29
